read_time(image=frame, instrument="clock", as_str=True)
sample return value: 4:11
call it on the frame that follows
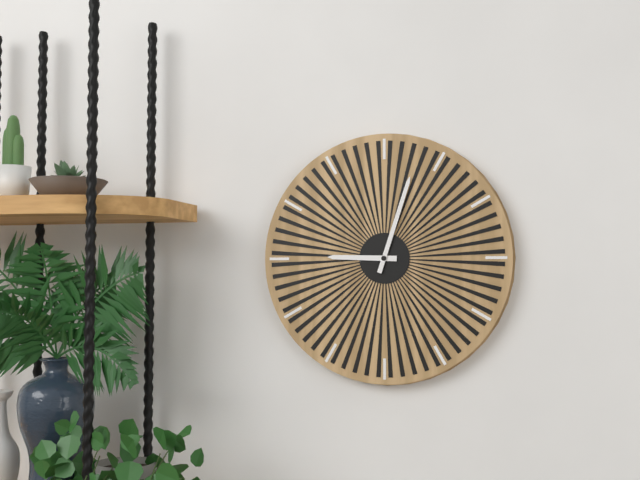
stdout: 9:03
